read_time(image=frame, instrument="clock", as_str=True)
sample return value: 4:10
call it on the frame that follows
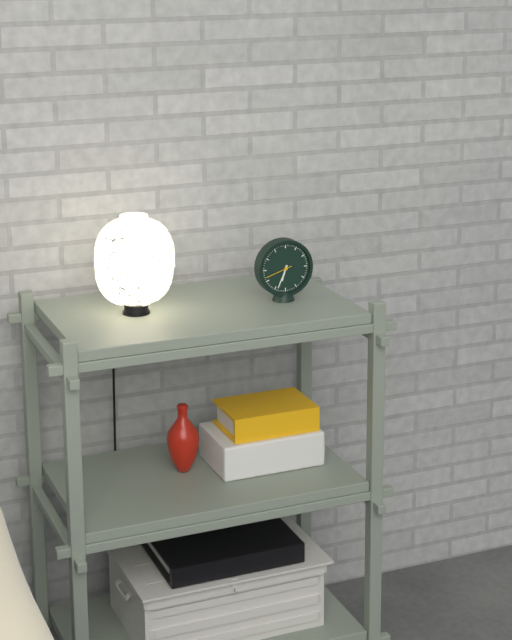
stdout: 6:34
